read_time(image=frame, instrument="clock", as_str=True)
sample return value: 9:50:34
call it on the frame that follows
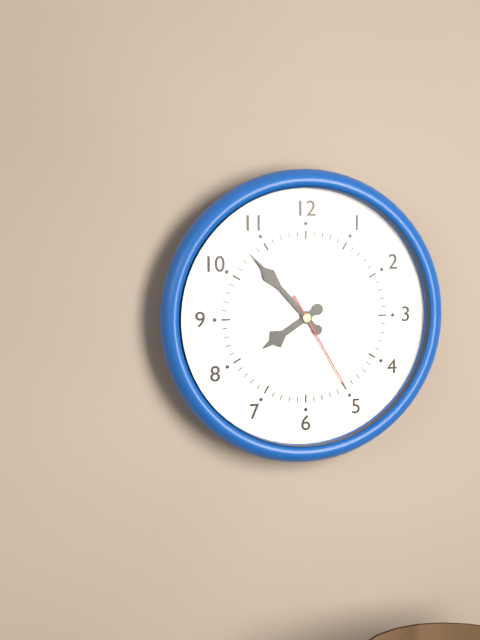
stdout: 7:53:25
